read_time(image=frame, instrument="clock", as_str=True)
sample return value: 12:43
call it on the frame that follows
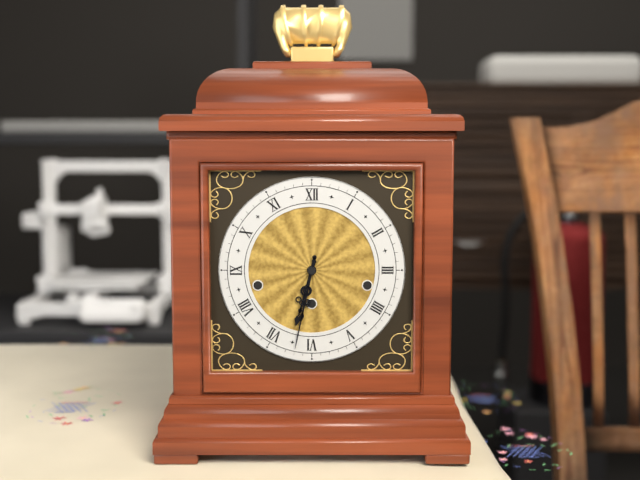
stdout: 6:32
